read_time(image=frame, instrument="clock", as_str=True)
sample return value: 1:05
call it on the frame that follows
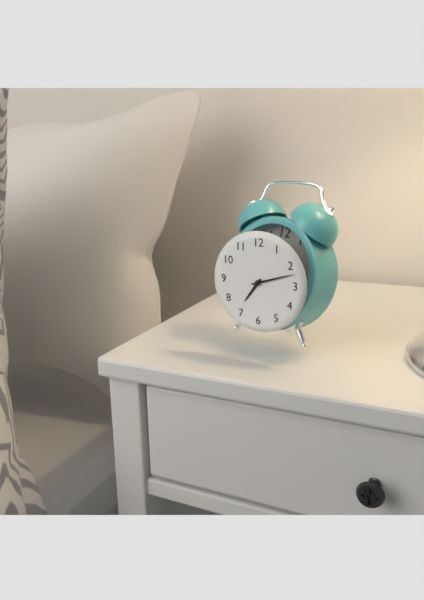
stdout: 7:12
